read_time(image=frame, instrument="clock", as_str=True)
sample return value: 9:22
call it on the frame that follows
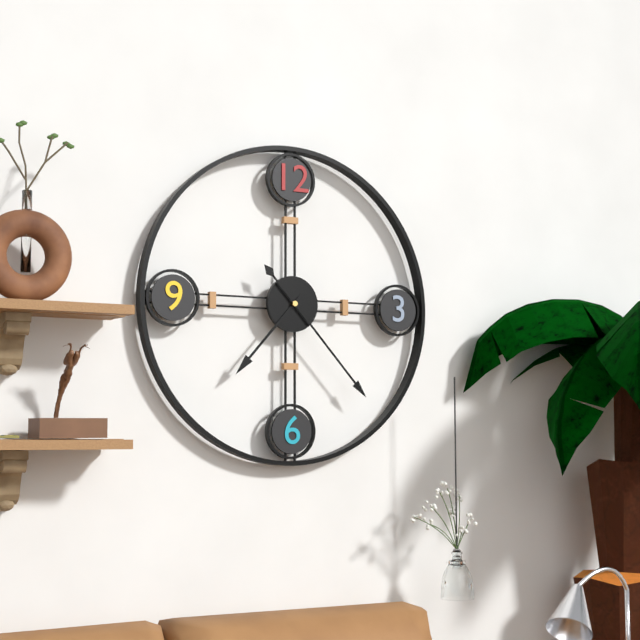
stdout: 7:23
